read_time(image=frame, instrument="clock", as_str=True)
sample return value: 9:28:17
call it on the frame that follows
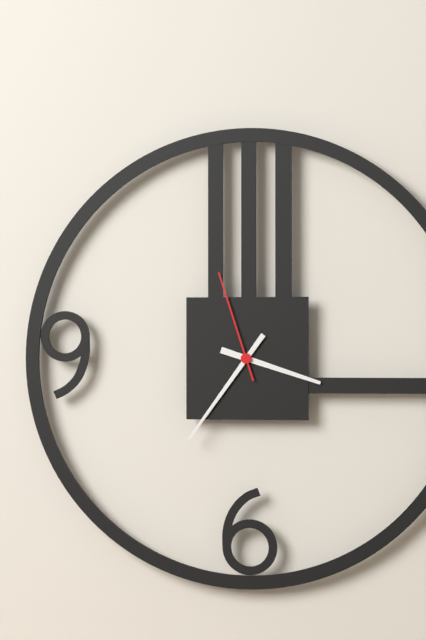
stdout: 3:36:57
